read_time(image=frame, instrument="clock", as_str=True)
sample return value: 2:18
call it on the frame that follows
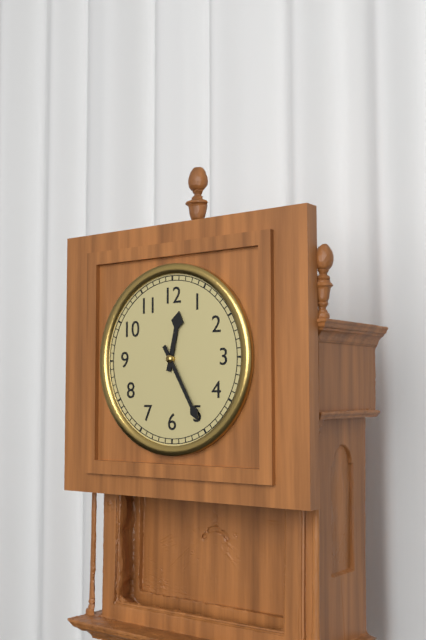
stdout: 12:25
